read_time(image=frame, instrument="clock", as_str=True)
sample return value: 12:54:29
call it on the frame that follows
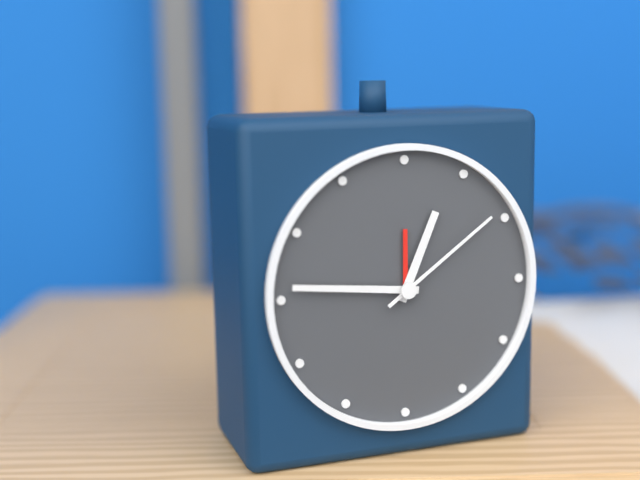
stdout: 12:46:09
